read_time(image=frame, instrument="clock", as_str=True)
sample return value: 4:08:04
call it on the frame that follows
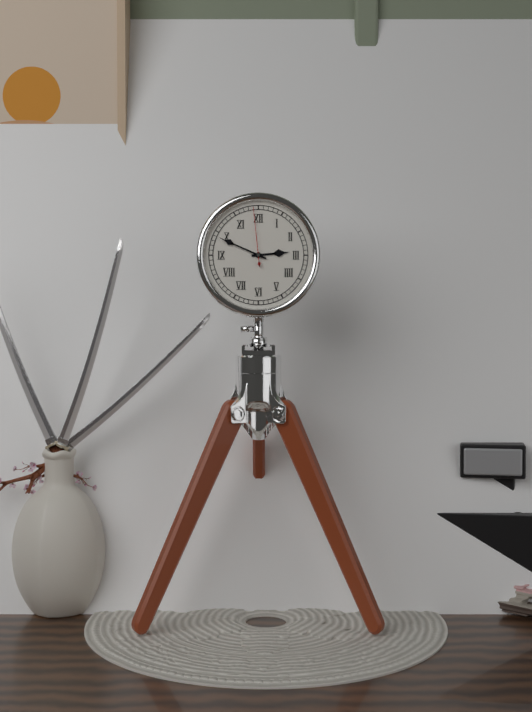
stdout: 2:49:59
